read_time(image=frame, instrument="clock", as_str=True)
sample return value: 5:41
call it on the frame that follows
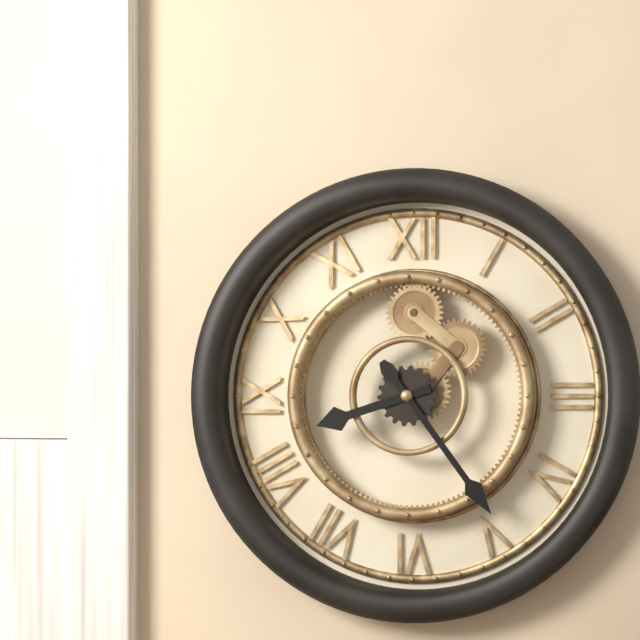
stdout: 8:24
